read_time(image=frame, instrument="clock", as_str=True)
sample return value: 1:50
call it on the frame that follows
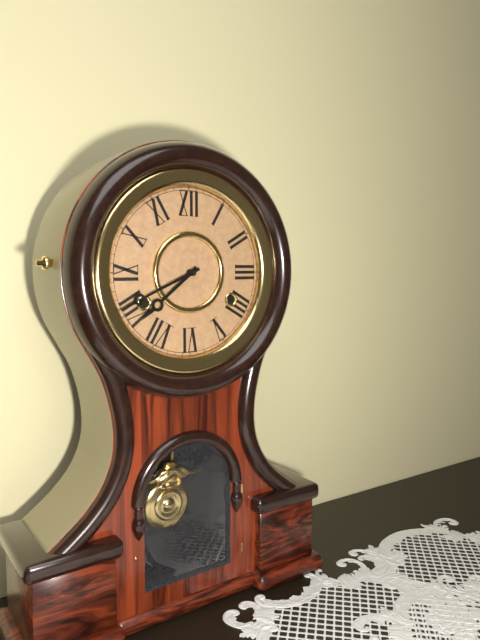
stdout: 7:41
